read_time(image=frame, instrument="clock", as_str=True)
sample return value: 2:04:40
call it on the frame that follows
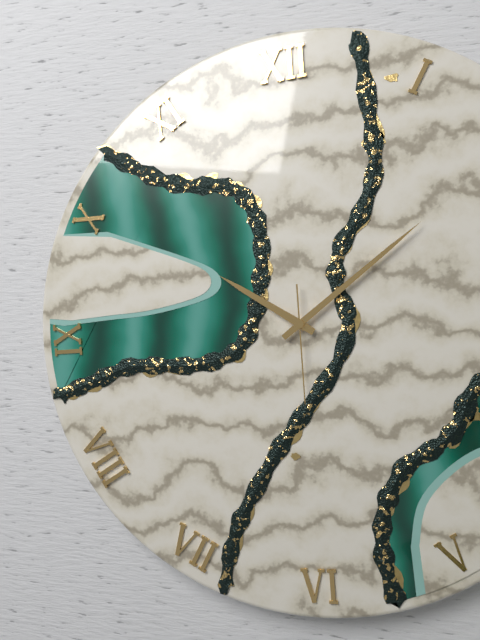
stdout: 10:09:30
